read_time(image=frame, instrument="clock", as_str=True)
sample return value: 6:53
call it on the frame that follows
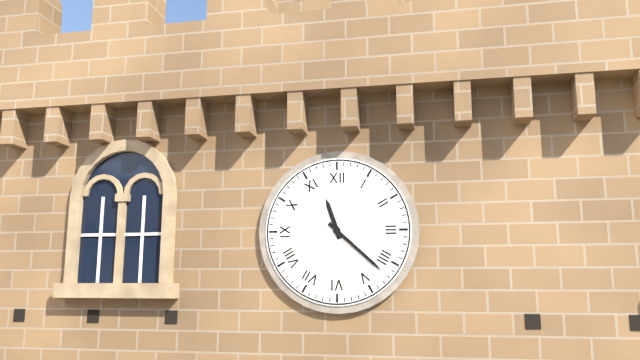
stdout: 11:22
